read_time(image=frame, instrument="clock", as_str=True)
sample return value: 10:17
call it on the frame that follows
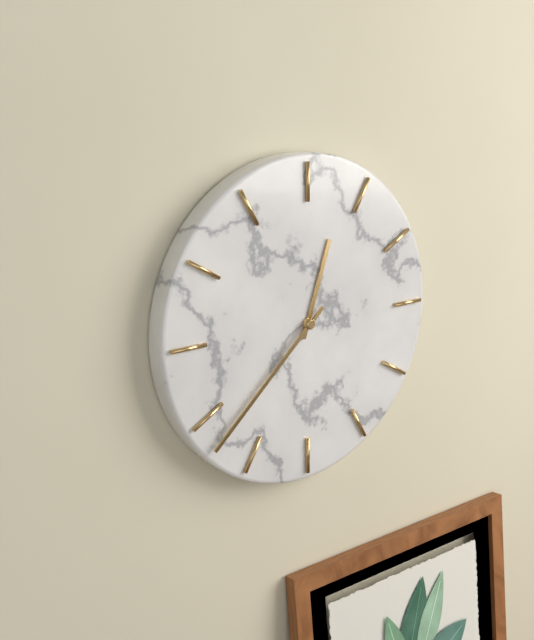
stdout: 12:38
